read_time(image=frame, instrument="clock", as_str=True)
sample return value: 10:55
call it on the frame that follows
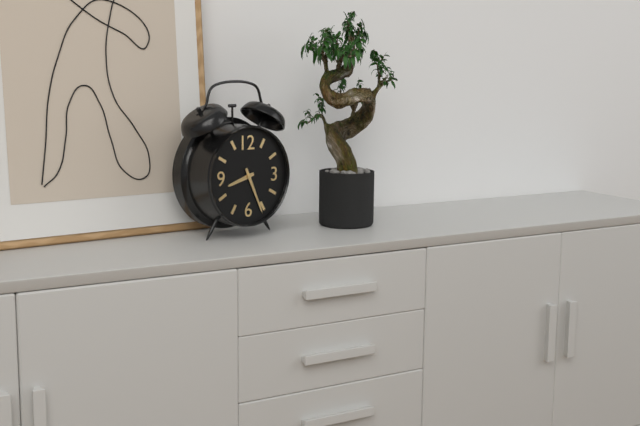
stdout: 8:26
